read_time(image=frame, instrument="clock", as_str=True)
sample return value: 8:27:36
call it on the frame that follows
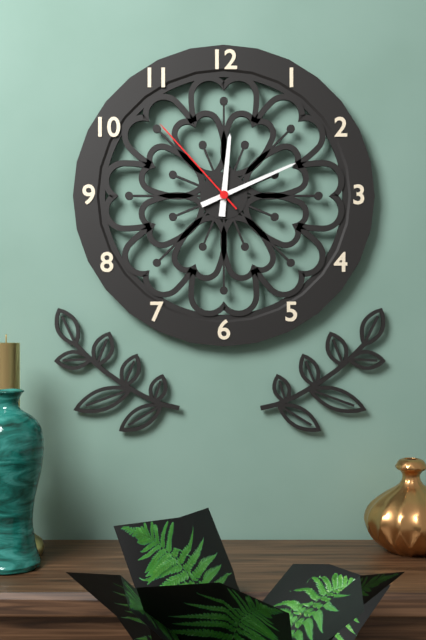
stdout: 12:11:53
